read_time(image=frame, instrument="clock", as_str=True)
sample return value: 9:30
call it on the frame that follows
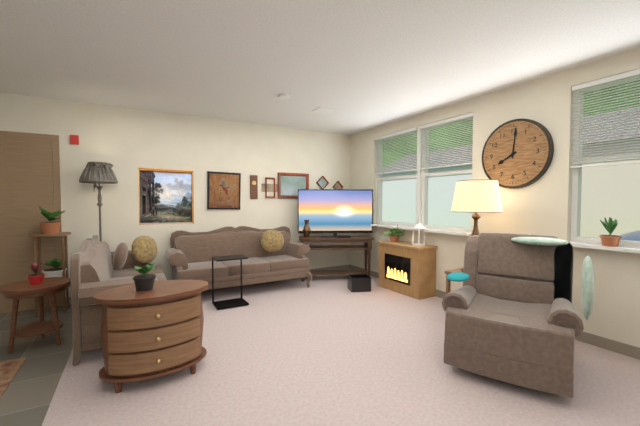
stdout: 8:01
